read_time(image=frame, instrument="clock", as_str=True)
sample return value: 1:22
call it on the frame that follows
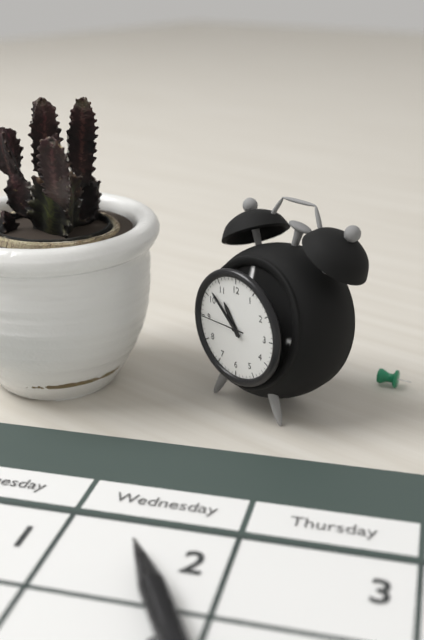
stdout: 10:52
